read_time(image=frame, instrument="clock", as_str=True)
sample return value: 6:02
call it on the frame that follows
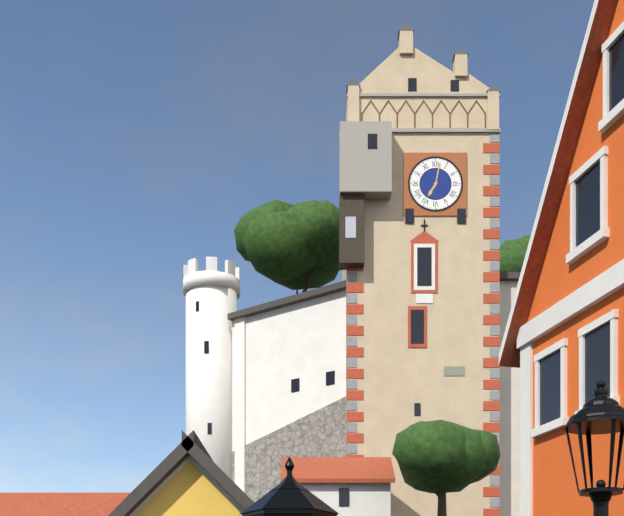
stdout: 7:02
